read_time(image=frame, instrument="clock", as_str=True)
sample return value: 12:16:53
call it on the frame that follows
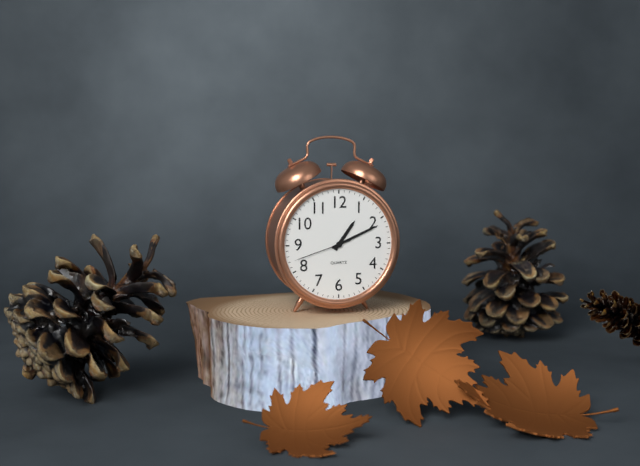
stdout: 1:11:42
